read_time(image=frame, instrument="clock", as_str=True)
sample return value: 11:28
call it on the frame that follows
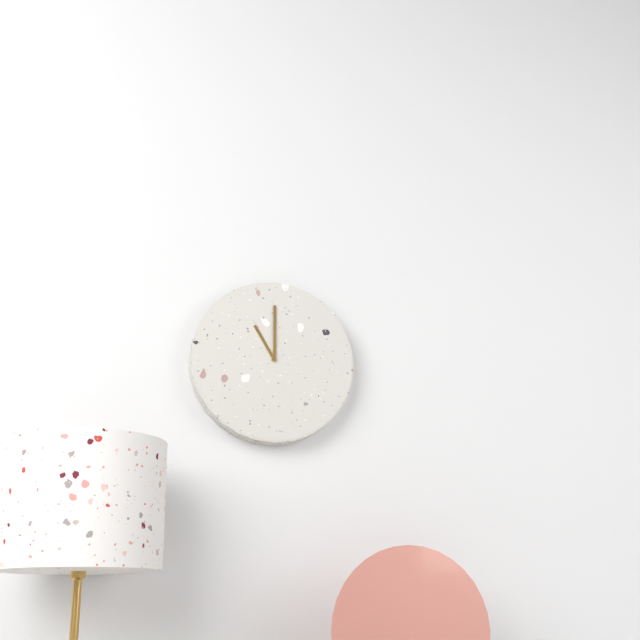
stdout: 11:00
